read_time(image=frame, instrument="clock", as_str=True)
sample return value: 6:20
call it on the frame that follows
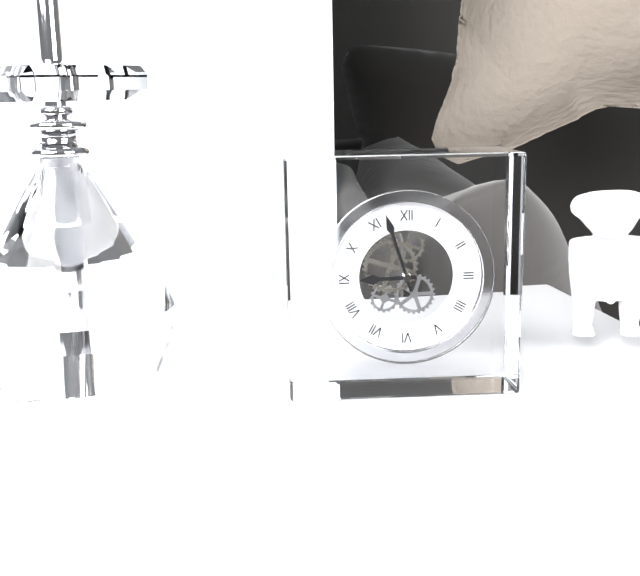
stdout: 8:57
